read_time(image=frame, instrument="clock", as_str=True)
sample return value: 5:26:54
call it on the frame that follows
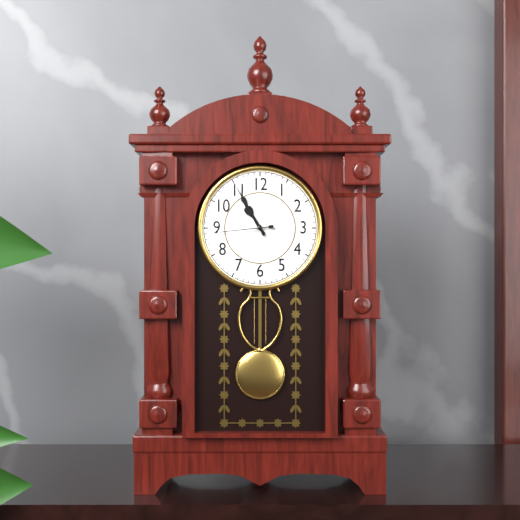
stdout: 10:55:44
